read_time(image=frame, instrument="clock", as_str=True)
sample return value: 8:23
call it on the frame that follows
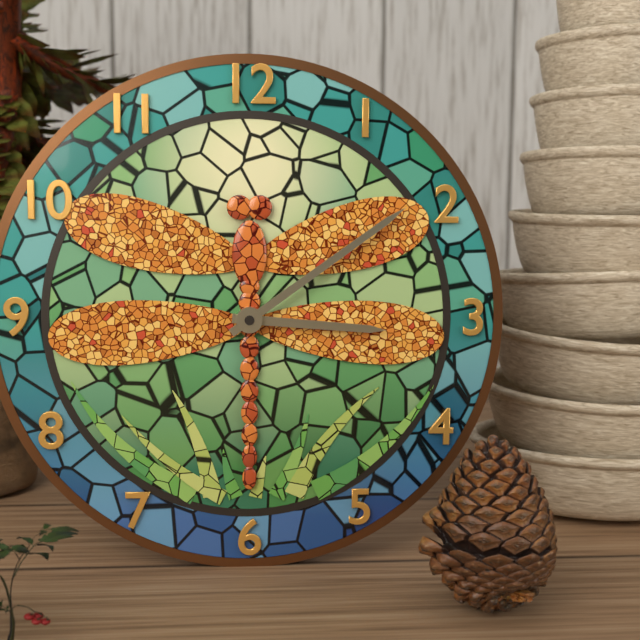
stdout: 3:09
